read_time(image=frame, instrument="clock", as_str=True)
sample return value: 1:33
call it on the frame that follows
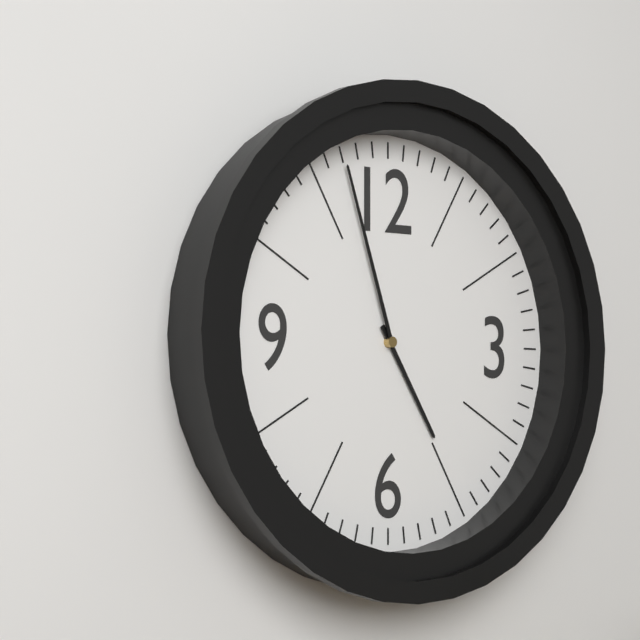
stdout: 4:57
